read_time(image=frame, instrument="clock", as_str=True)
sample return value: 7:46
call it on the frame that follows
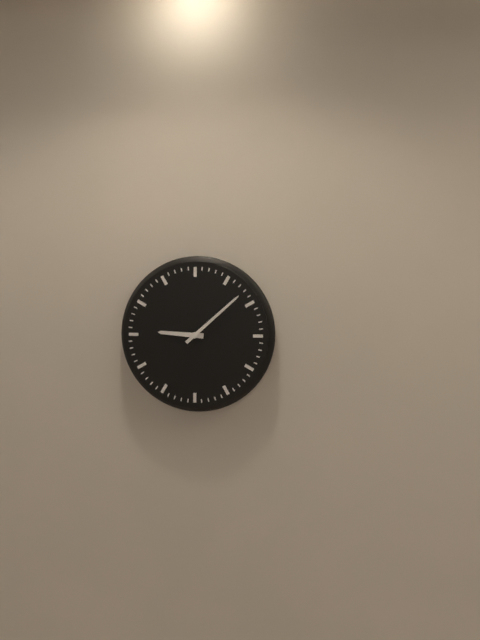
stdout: 9:08
